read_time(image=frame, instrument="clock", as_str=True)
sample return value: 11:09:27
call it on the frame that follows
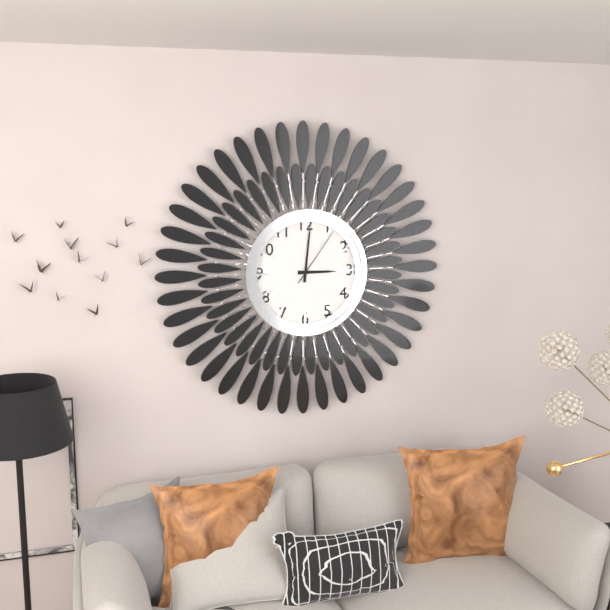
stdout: 3:01:06
